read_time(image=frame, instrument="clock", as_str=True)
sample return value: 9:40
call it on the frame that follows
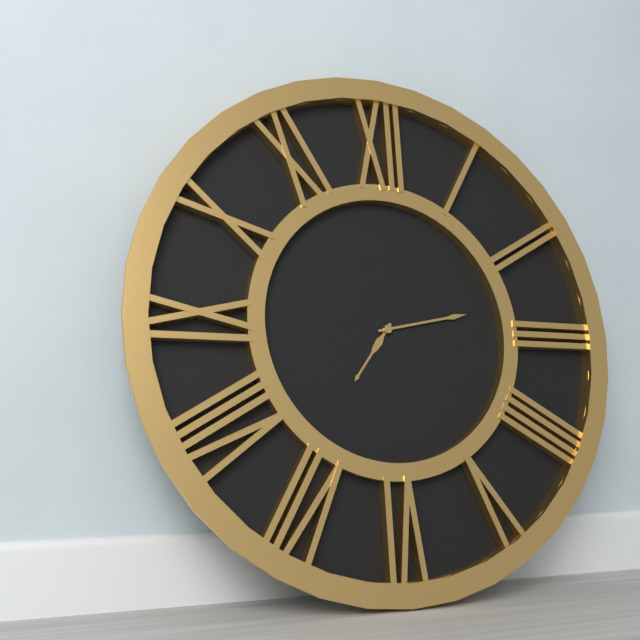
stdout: 7:13
